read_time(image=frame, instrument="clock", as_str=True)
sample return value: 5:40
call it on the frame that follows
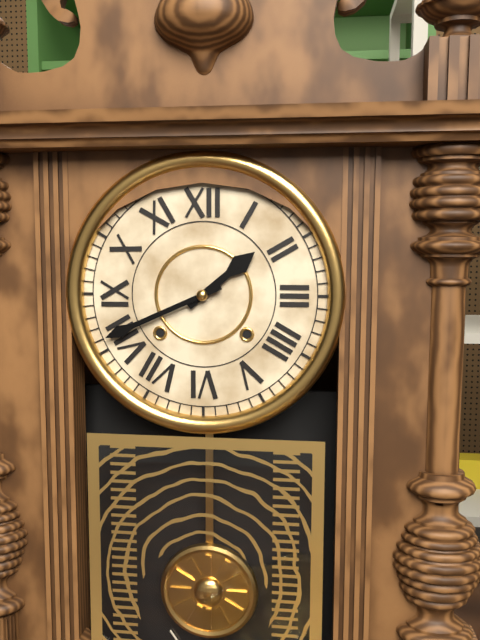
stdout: 1:41
